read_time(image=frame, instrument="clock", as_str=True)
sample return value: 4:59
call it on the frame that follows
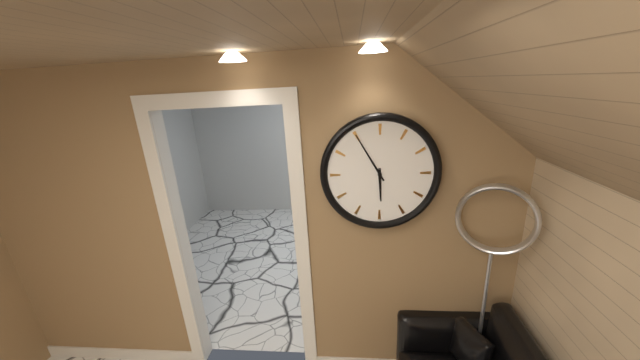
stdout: 5:55
